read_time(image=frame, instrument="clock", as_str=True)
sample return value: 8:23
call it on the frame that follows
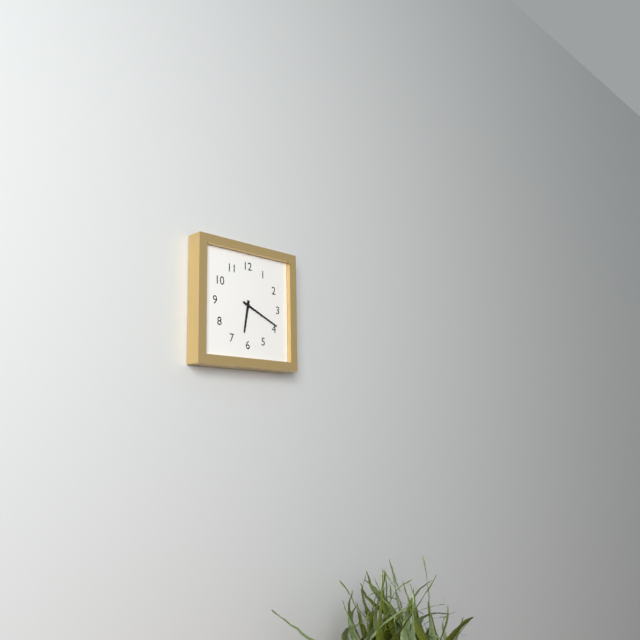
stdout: 6:19
